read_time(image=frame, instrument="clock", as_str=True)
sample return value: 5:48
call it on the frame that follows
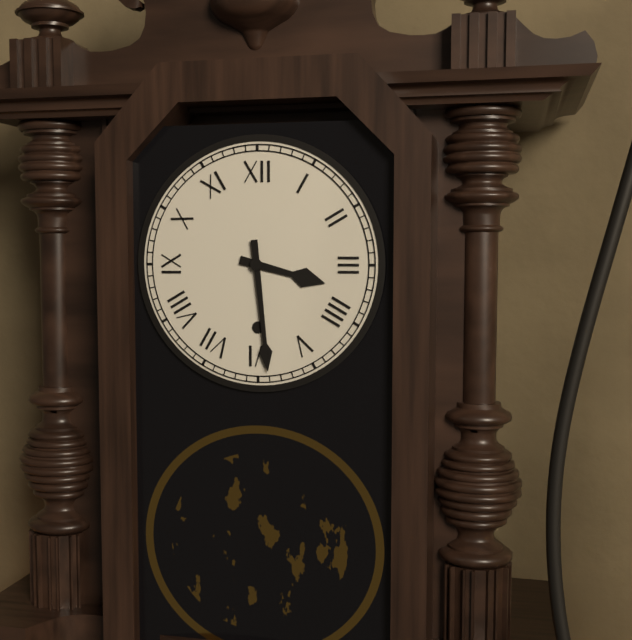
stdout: 3:29
